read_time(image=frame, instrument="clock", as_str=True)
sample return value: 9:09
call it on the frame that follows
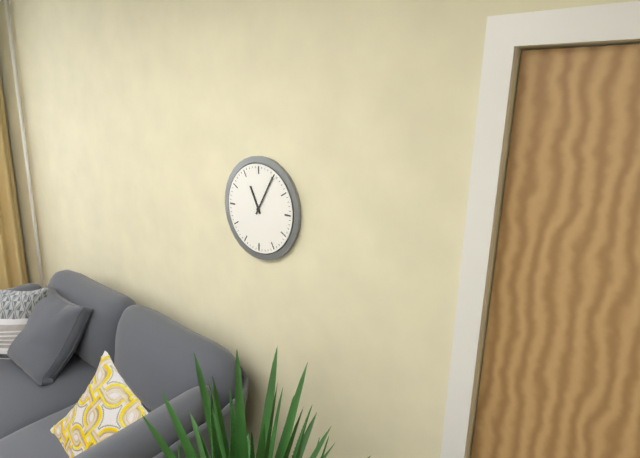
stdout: 11:05
